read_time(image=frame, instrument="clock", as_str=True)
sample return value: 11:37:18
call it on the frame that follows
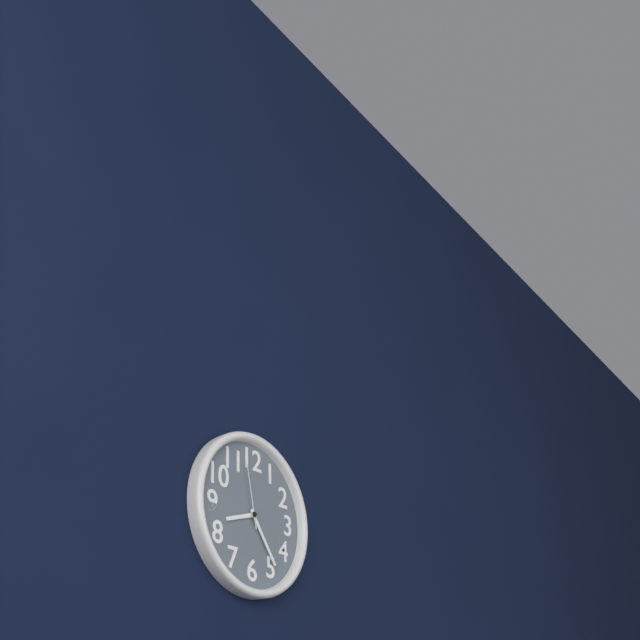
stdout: 8:24:58
